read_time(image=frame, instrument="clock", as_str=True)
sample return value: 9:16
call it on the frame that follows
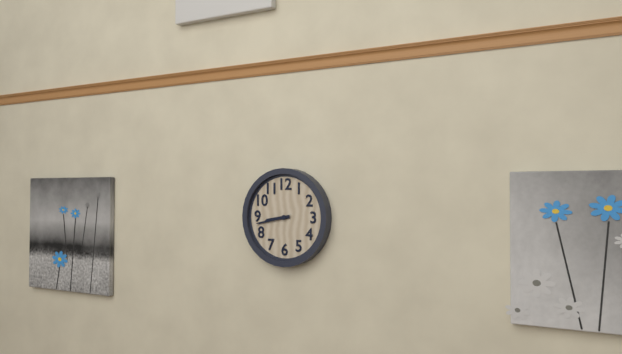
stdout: 8:43
